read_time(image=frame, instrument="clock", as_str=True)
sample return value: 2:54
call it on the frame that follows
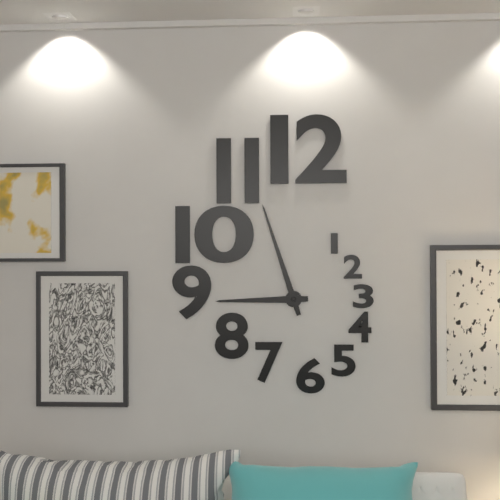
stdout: 8:57
